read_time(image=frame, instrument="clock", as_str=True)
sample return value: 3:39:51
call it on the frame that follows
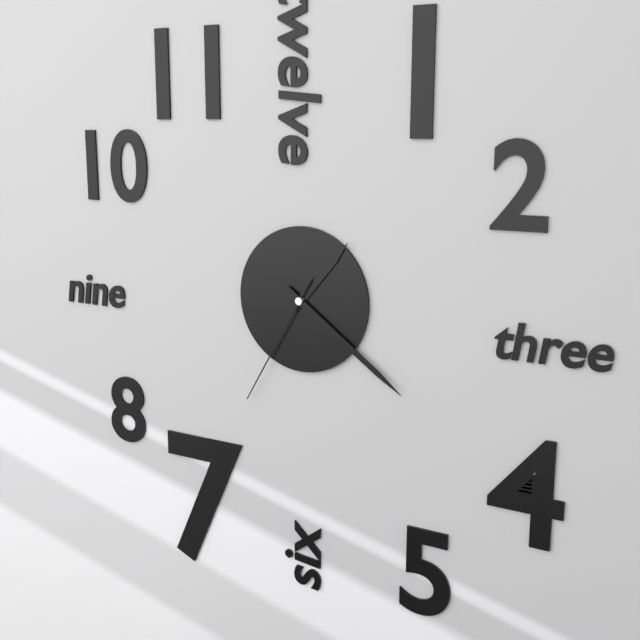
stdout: 1:21:35
